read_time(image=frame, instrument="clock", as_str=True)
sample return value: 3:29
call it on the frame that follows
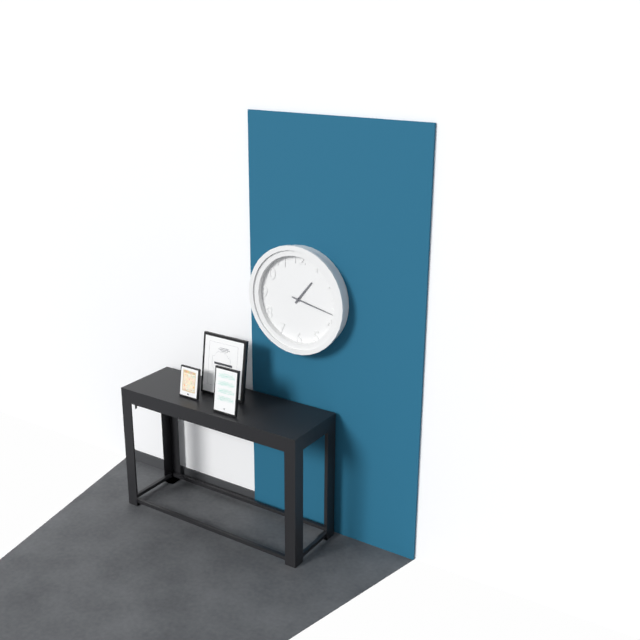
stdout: 1:17
